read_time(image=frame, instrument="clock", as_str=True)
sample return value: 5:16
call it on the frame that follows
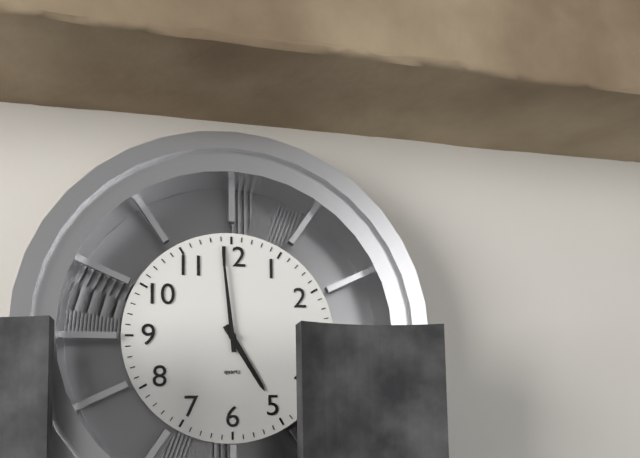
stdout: 4:59
